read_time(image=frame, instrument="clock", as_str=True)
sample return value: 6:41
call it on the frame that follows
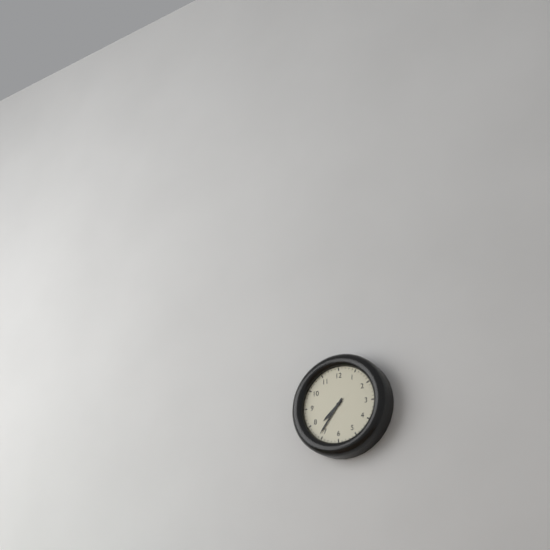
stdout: 7:36
